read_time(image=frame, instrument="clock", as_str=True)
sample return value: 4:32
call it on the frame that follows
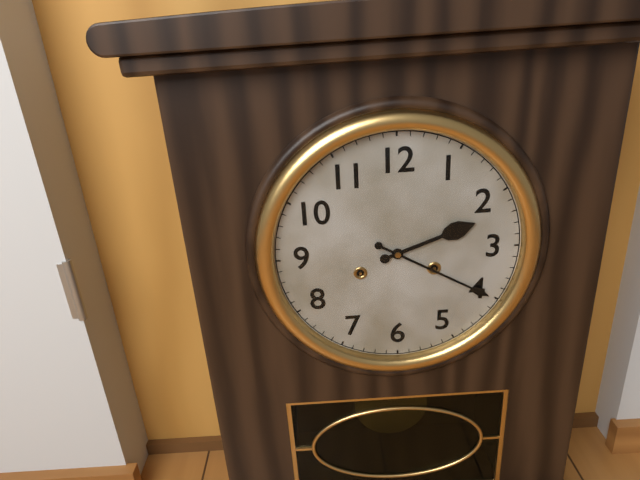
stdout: 2:20
